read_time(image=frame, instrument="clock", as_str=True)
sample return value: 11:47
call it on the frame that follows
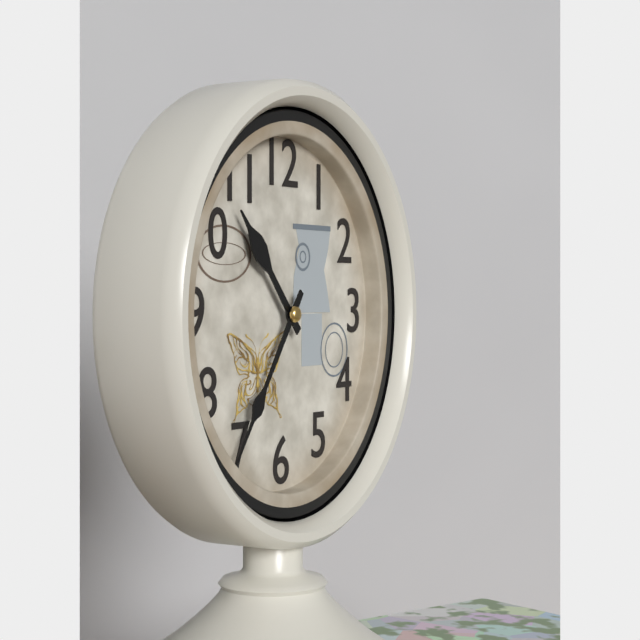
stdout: 10:36
